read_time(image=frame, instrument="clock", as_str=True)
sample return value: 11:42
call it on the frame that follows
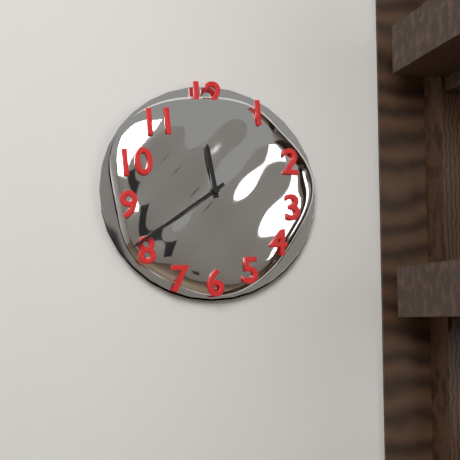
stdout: 11:39
